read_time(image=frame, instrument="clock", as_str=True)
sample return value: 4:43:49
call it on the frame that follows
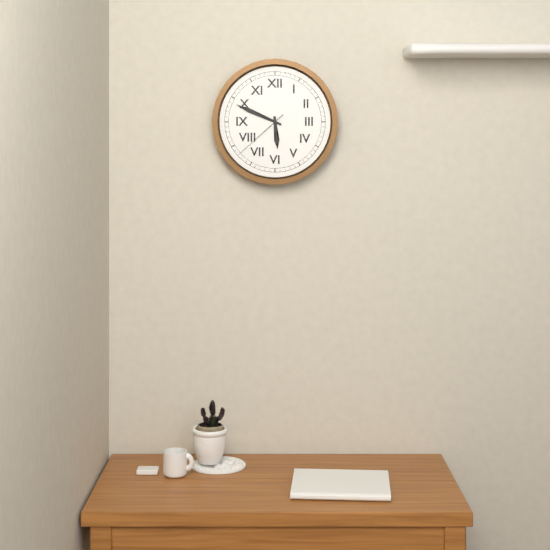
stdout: 5:49:38
